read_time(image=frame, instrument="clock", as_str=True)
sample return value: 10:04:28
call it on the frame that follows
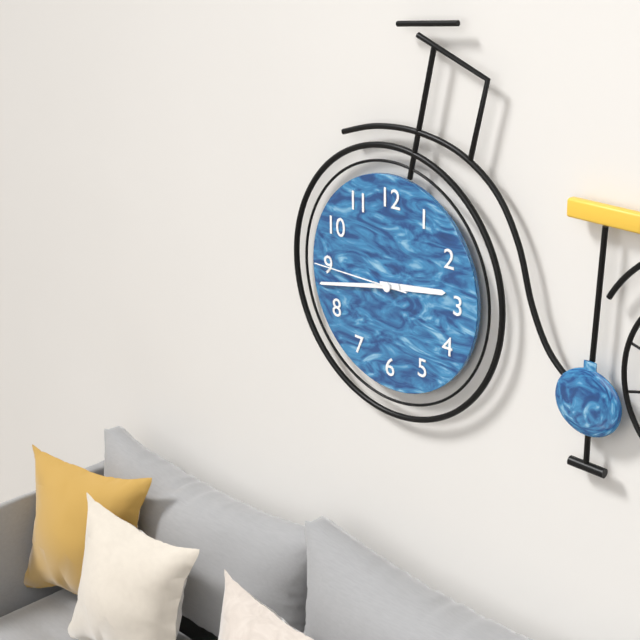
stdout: 2:43:45
